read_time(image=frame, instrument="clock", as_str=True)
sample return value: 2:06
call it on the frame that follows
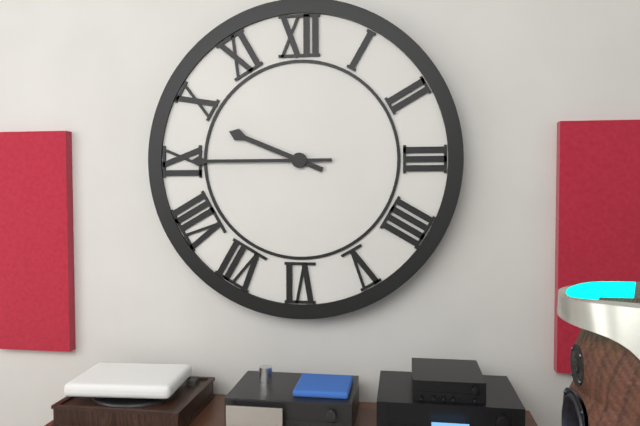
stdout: 9:45
